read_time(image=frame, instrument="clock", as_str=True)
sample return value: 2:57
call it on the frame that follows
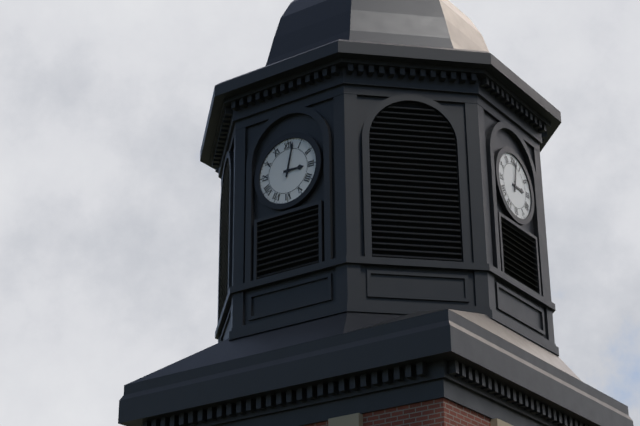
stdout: 3:02
